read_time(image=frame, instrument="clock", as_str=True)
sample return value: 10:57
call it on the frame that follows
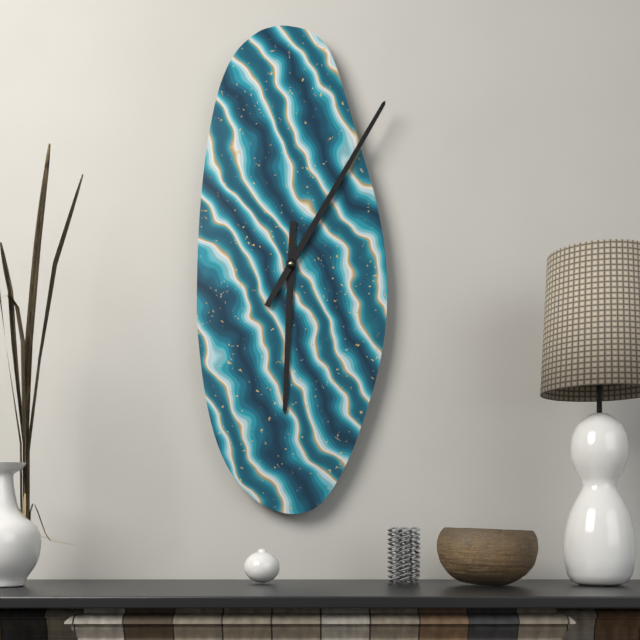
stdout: 6:05
